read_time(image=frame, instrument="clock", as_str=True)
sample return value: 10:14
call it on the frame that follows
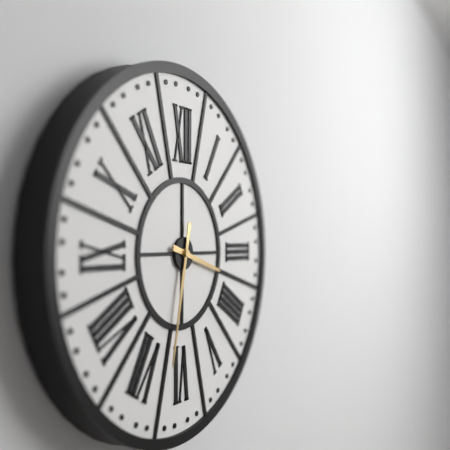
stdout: 3:32
